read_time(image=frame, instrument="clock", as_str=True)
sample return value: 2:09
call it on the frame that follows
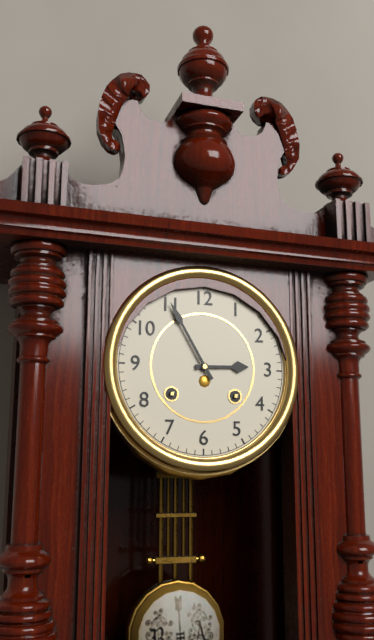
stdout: 2:55
